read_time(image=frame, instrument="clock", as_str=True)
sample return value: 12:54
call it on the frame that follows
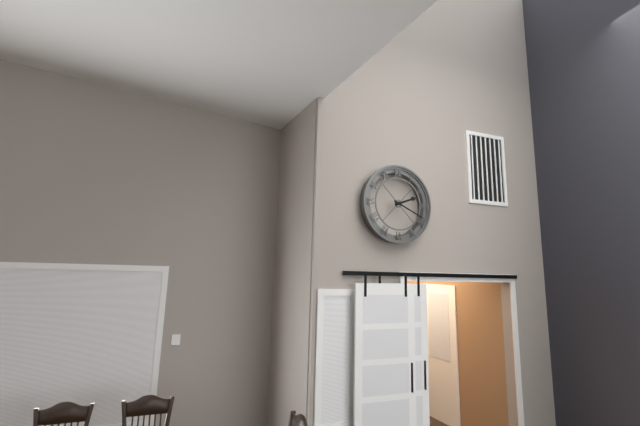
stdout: 2:19
